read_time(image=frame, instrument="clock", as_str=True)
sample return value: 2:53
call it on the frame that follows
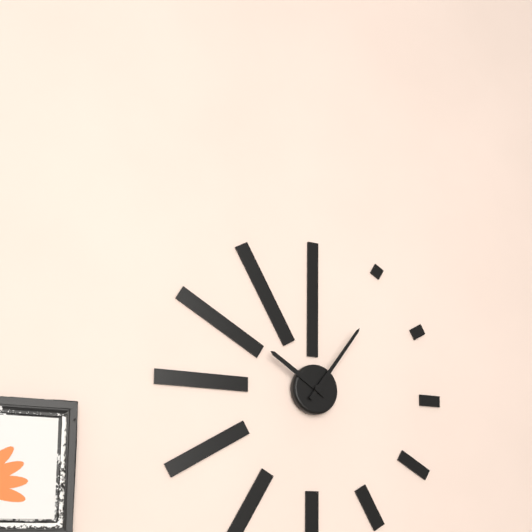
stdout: 10:06
